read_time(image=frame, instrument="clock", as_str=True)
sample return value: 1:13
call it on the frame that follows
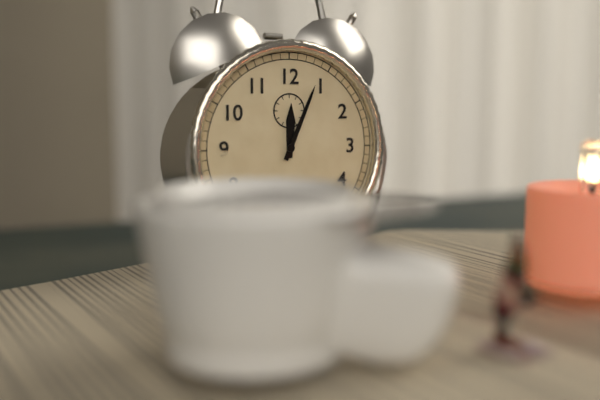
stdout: 12:04
